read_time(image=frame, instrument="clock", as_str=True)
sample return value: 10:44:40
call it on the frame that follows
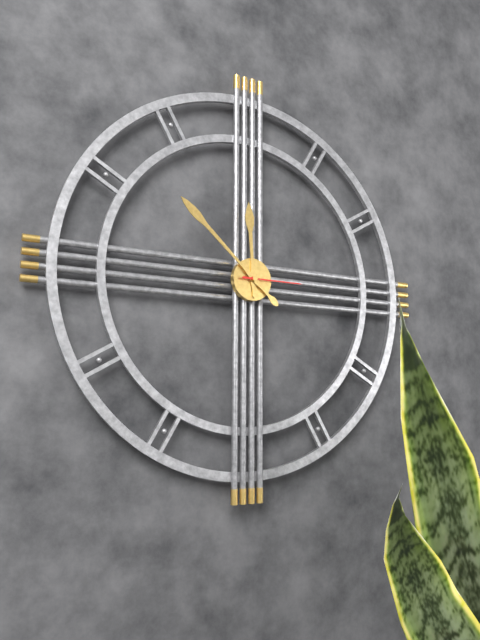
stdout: 11:52:15
